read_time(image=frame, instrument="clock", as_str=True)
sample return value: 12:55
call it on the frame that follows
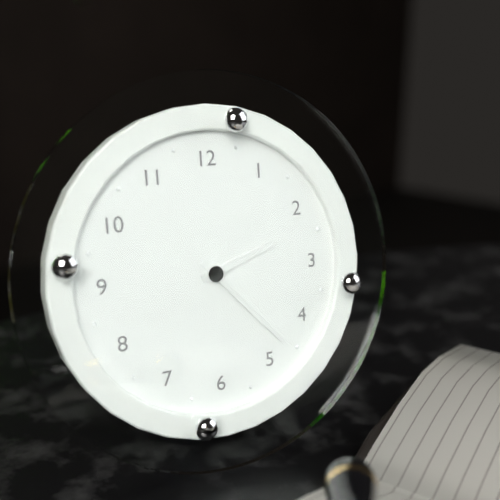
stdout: 2:23
